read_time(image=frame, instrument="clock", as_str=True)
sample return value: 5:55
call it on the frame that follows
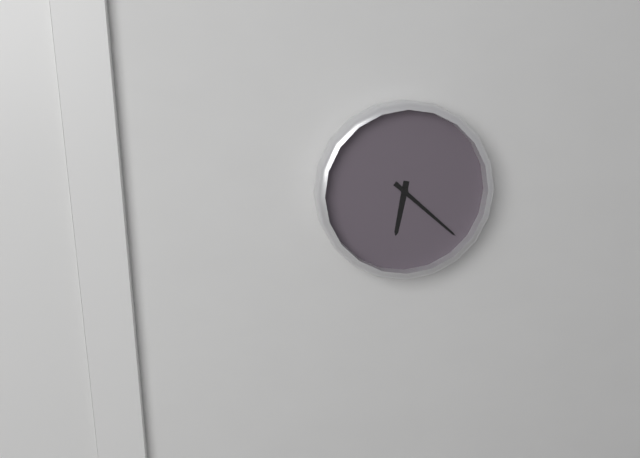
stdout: 6:22
